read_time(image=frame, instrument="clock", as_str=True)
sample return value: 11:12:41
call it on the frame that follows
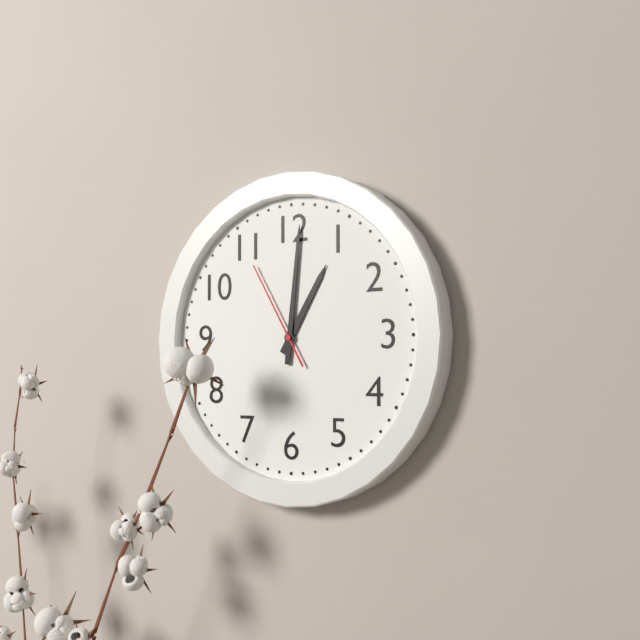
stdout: 1:01:55
